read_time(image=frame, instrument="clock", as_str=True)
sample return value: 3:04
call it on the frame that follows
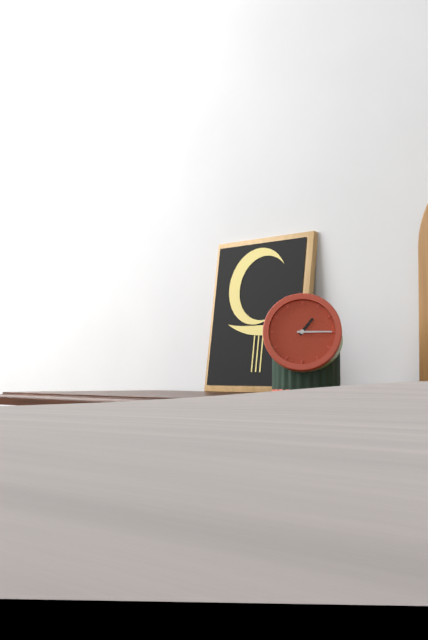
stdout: 1:15
